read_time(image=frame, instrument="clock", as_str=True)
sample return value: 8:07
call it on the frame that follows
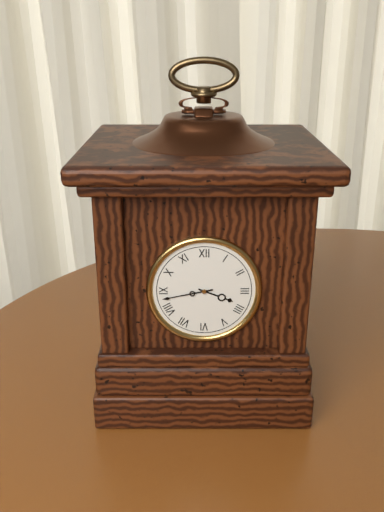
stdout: 3:43
